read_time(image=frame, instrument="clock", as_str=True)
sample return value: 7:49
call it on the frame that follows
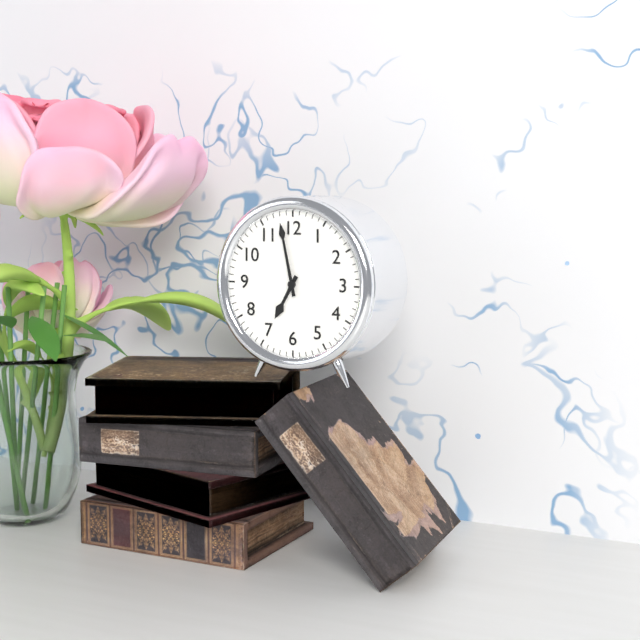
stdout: 6:58
